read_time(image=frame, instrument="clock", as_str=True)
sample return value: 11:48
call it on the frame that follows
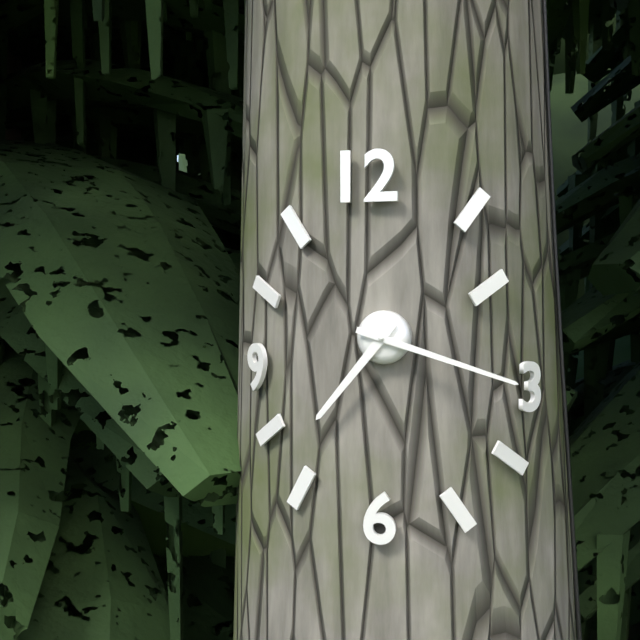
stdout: 7:18
